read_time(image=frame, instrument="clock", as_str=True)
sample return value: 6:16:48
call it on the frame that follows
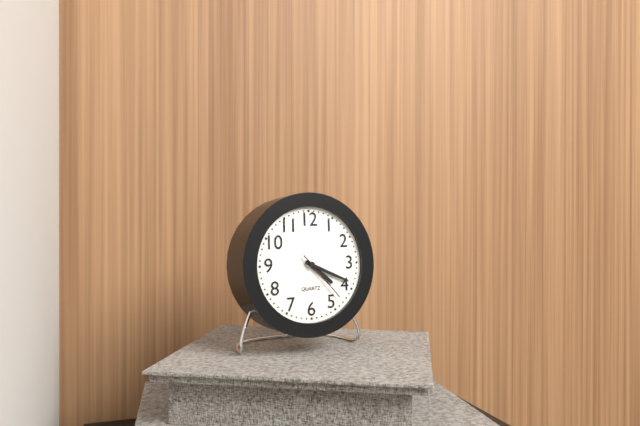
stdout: 4:19:23
